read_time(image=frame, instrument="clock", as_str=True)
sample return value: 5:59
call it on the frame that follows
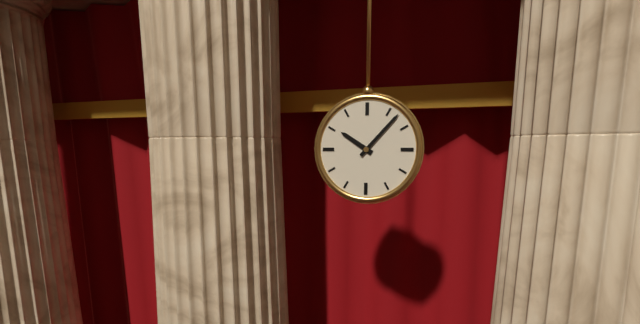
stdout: 10:07
